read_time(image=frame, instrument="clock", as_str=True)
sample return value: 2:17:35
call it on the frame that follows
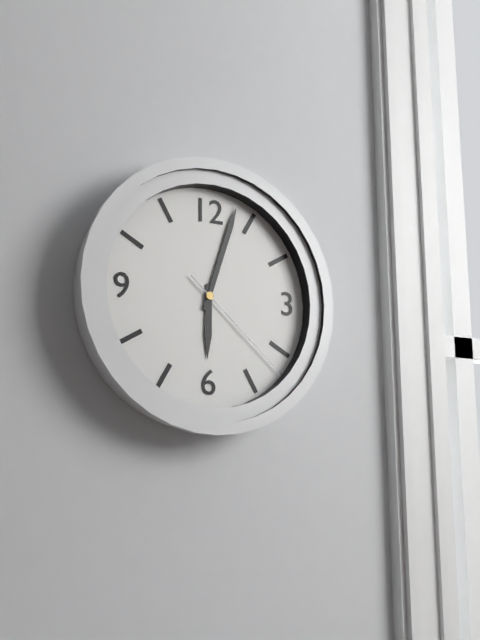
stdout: 6:03:22
